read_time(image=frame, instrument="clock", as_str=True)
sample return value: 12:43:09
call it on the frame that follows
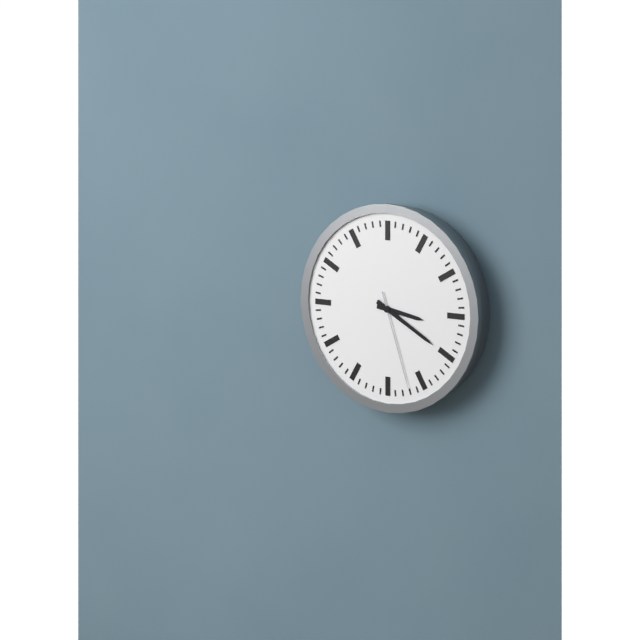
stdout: 3:20:27
